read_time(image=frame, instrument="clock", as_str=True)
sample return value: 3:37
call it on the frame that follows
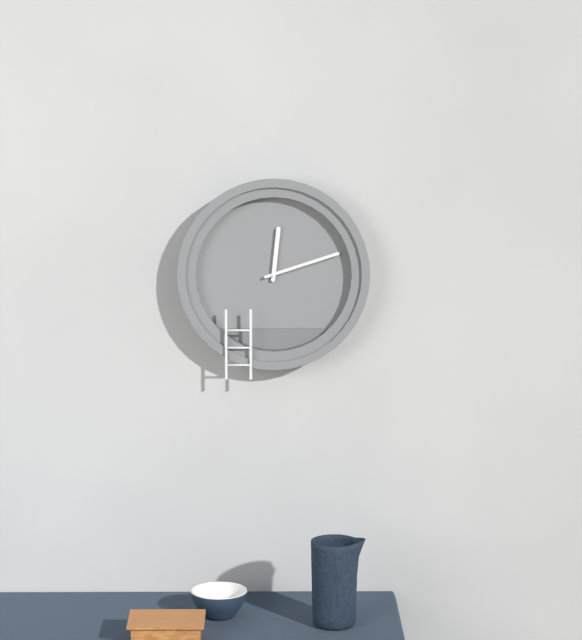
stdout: 12:12
